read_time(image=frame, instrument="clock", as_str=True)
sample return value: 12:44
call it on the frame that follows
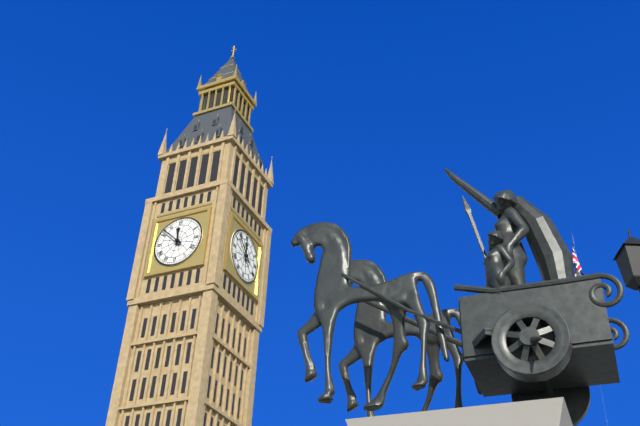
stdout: 11:52
